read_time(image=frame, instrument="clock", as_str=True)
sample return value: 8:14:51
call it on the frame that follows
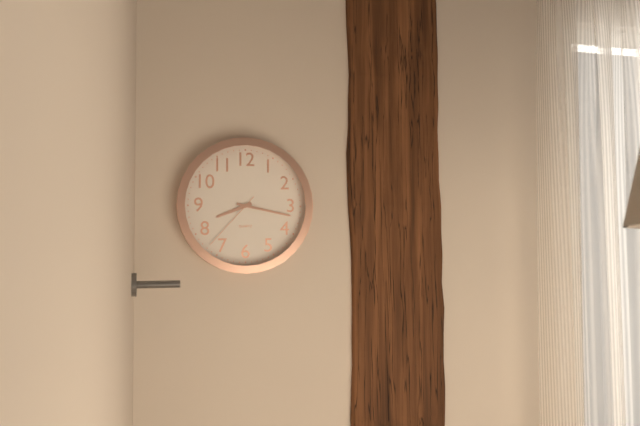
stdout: 8:17:37
